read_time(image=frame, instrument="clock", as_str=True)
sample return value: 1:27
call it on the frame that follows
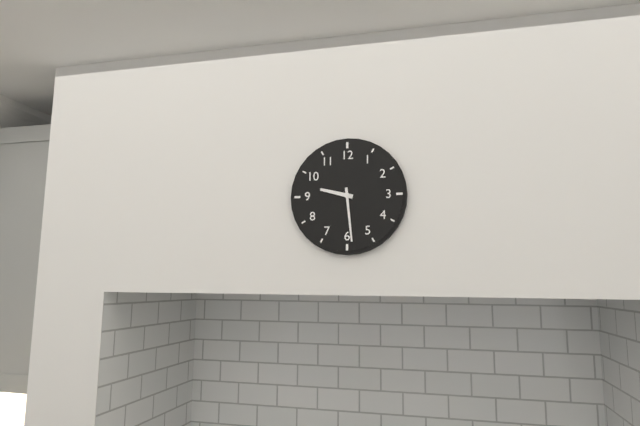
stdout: 9:29
